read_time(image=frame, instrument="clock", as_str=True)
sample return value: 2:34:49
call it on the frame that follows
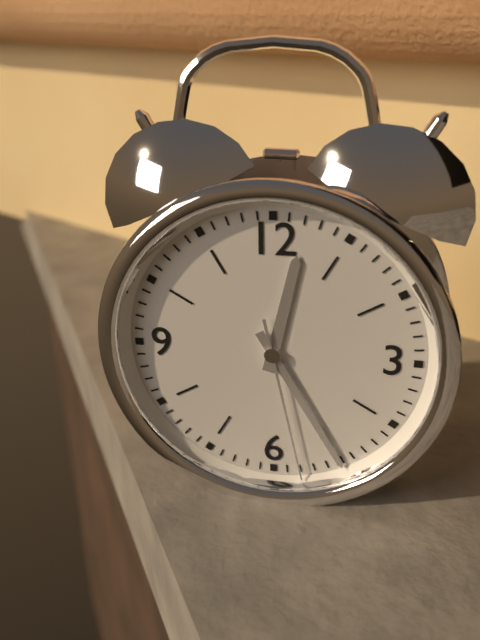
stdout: 12:25:28
